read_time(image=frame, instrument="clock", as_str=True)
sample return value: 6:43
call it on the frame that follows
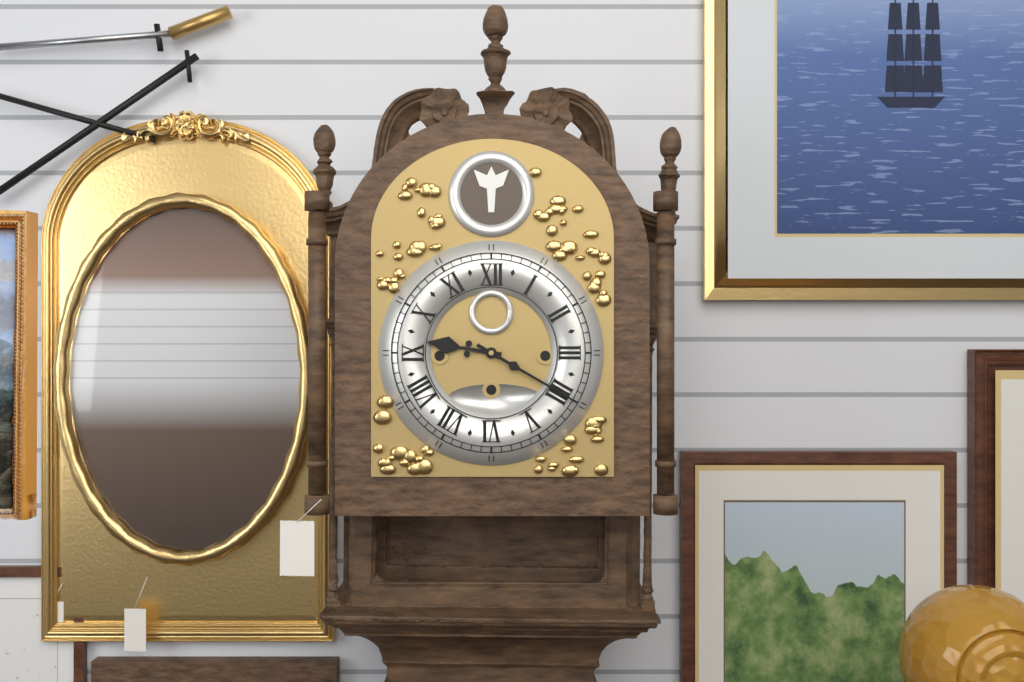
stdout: 9:20
